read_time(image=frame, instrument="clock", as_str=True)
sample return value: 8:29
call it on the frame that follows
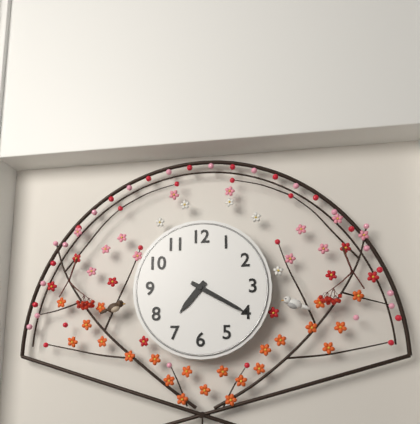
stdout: 7:20
